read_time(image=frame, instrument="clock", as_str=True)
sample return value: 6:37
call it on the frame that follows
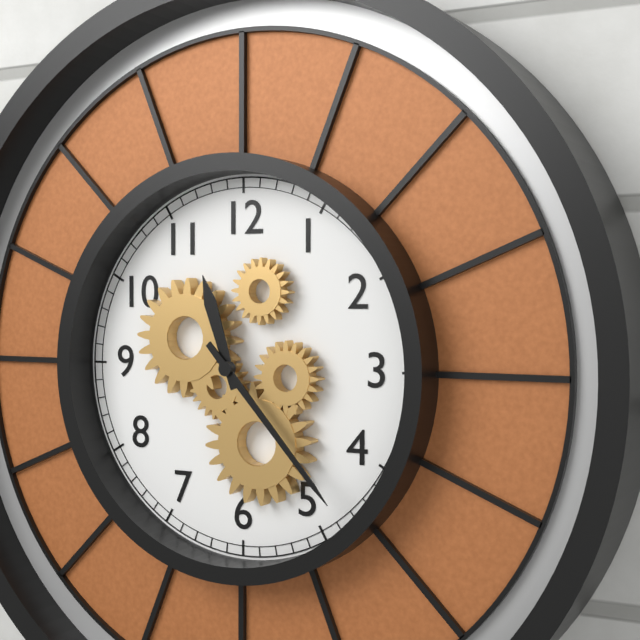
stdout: 11:23
